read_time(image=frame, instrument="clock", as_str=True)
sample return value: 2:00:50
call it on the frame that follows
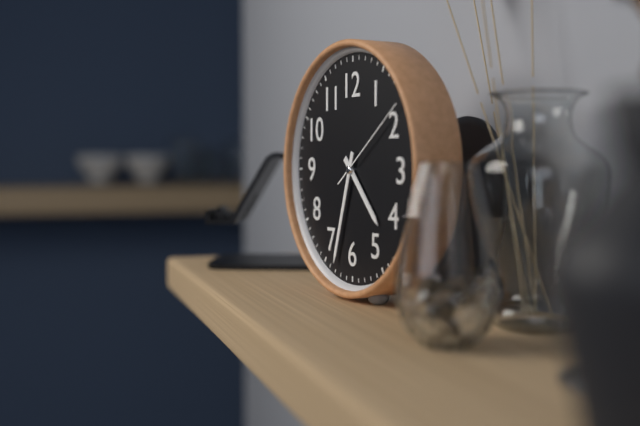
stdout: 4:33:09
